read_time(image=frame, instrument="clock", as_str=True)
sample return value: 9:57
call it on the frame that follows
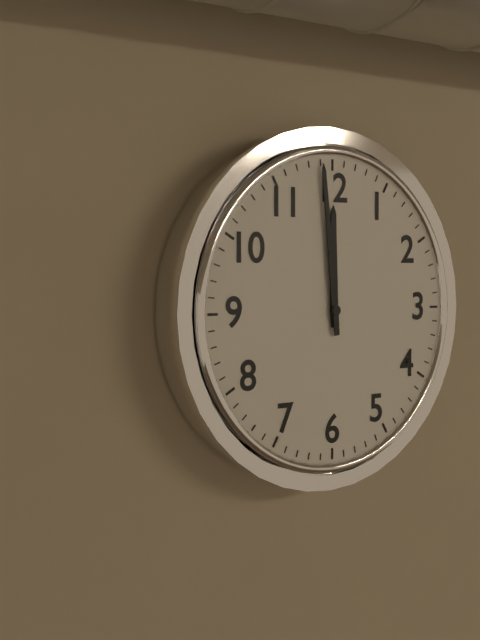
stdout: 11:59
